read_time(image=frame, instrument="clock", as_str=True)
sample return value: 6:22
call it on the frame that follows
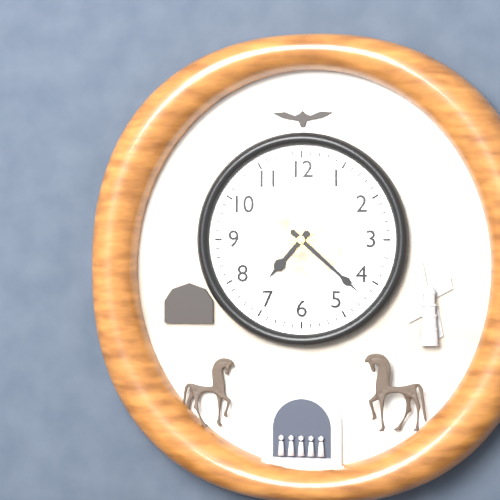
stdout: 7:22
